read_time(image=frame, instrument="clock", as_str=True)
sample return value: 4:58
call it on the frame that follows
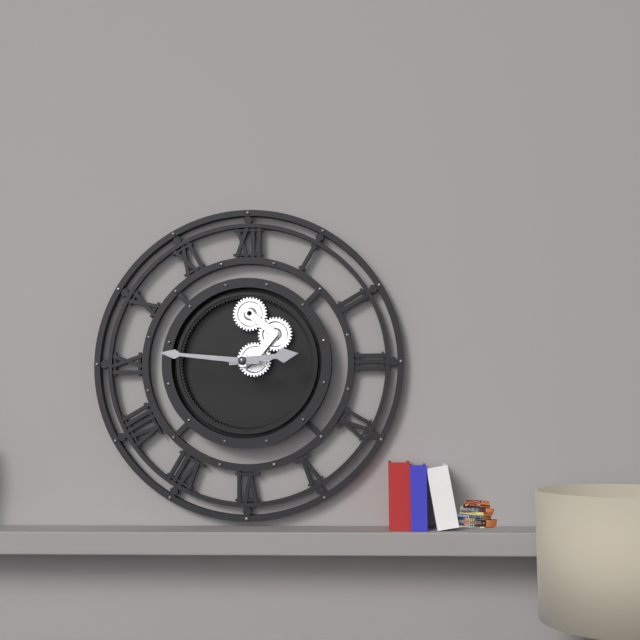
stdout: 2:46
